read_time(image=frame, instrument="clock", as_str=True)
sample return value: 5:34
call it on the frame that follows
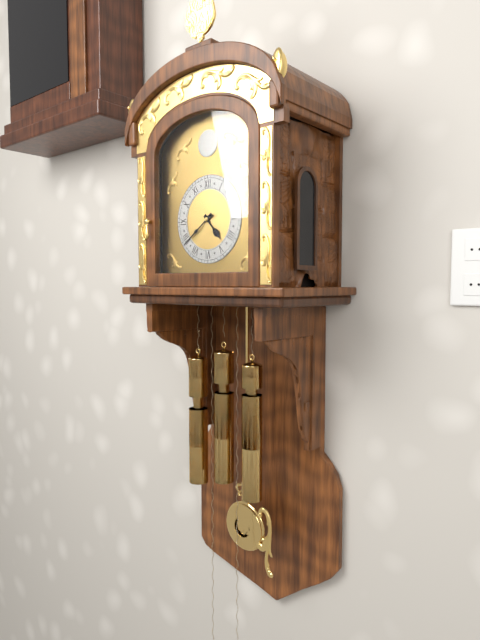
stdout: 4:39
